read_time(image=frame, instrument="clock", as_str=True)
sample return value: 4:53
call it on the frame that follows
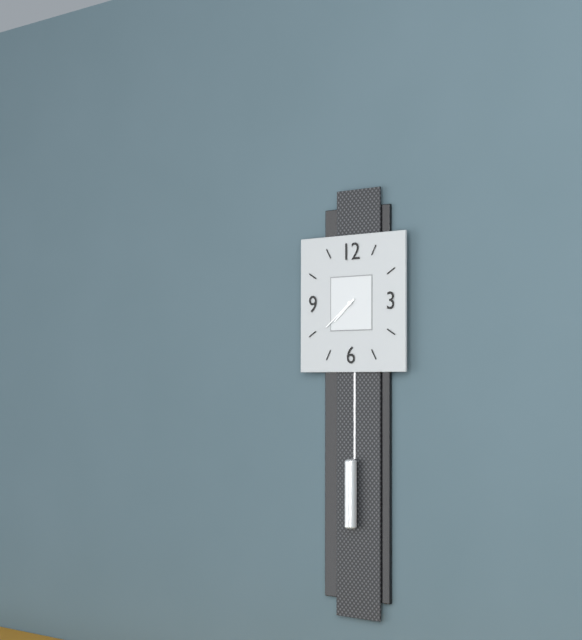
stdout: 7:39
